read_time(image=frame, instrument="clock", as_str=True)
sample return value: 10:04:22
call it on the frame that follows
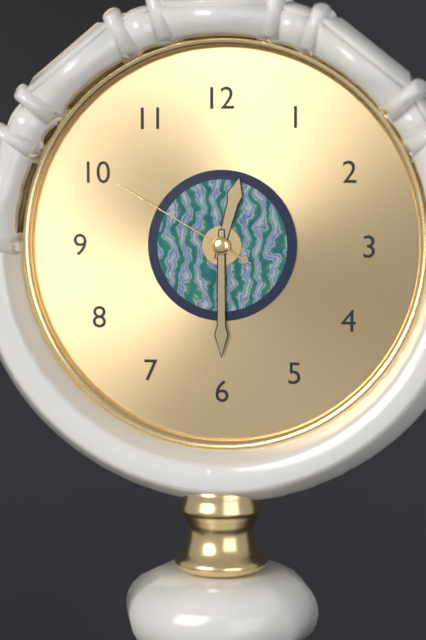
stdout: 12:30:50
